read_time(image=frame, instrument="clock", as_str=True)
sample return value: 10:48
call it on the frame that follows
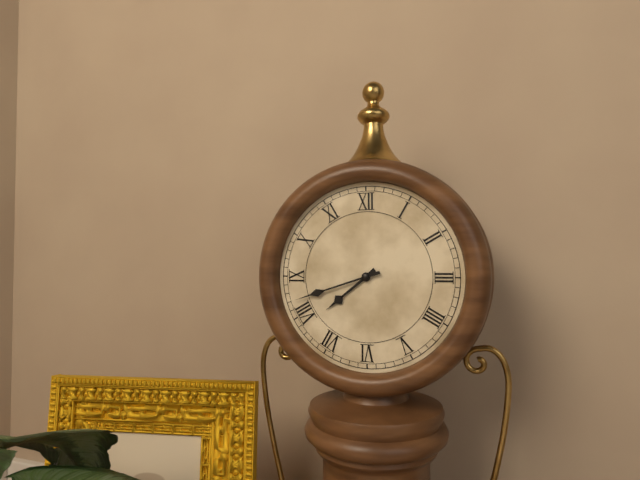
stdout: 7:42
